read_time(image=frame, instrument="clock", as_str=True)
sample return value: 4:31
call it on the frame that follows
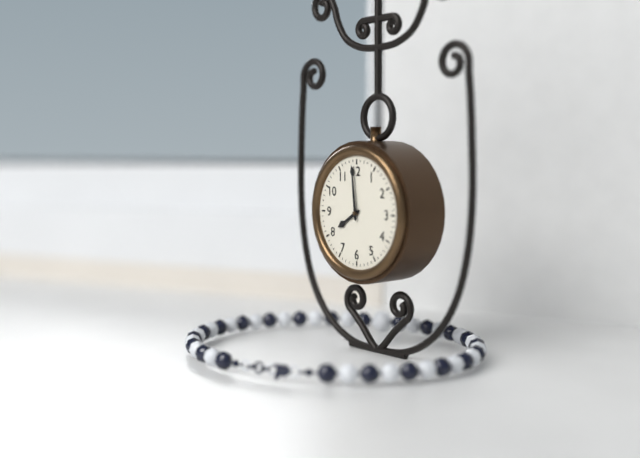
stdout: 7:59
